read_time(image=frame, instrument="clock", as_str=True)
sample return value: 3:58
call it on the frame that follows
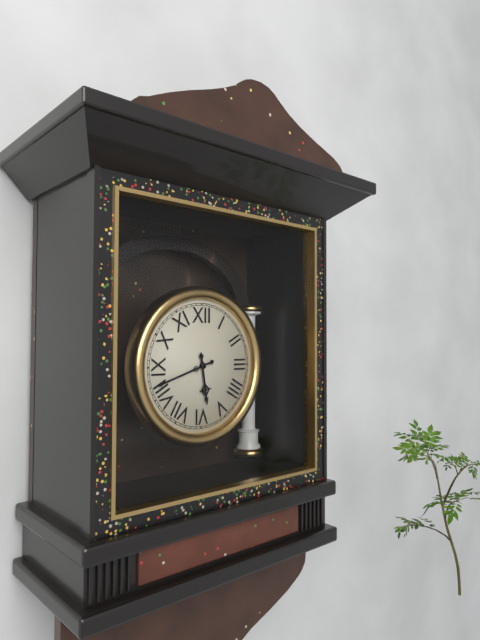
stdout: 5:42
